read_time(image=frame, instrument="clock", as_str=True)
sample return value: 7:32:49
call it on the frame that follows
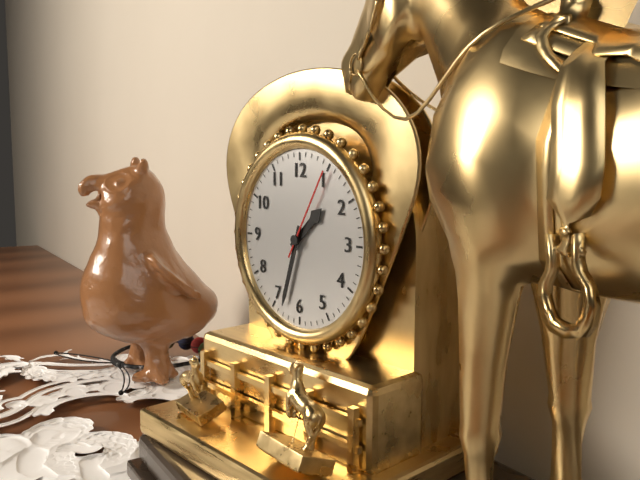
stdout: 1:33:05
